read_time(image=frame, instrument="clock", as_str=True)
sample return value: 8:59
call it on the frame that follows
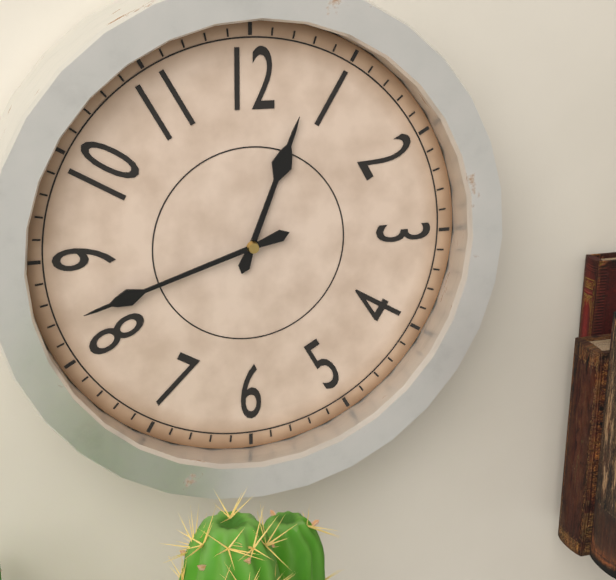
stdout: 12:42
